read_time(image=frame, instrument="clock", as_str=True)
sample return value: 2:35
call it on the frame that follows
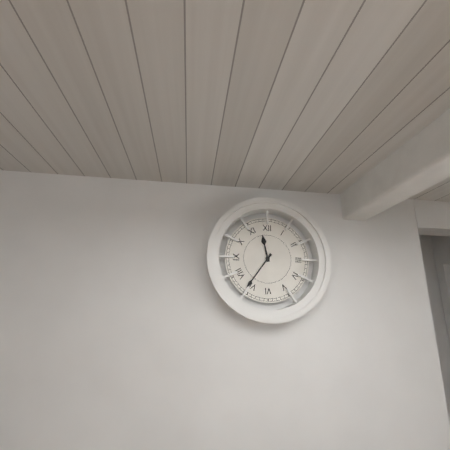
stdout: 11:36
